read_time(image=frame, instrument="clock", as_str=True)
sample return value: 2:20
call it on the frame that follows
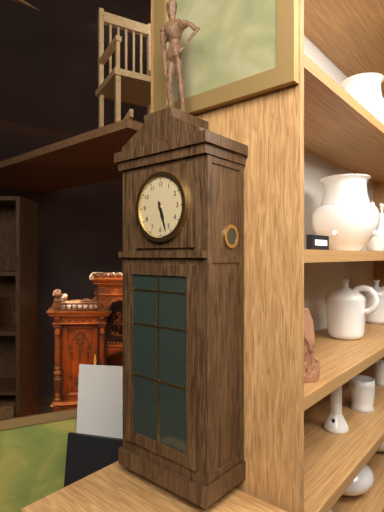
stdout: 5:27
